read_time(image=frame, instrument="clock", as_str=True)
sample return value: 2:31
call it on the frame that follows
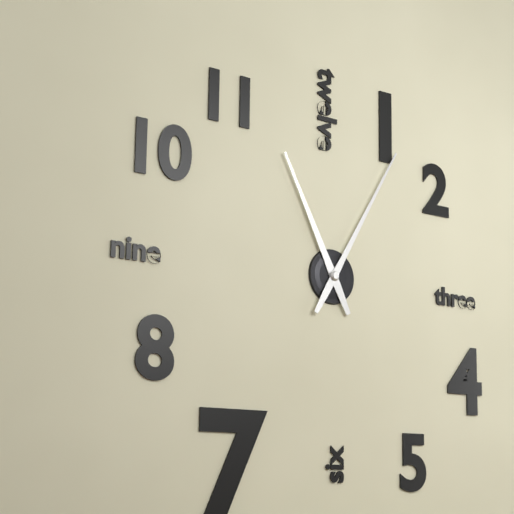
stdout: 11:05
